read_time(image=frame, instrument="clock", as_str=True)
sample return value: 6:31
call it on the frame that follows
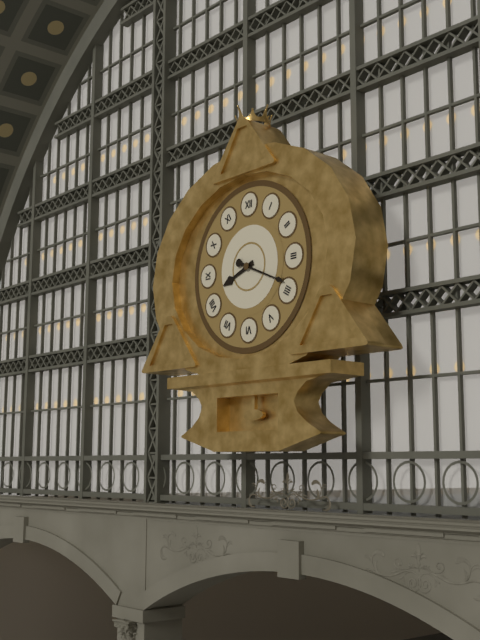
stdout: 8:19
